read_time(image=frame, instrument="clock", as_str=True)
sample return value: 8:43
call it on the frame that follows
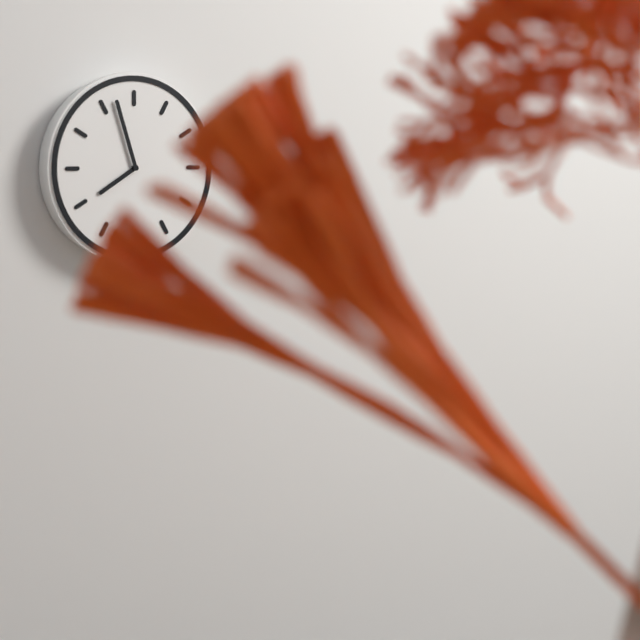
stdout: 7:57
